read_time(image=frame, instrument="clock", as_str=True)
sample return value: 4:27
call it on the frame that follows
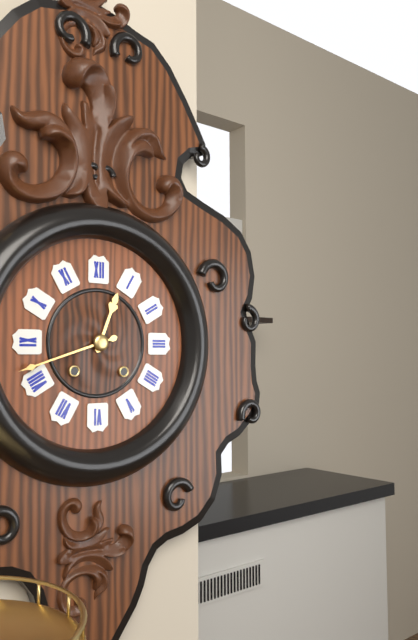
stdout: 12:42
